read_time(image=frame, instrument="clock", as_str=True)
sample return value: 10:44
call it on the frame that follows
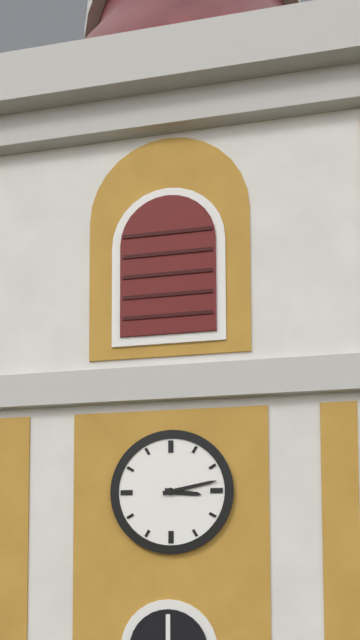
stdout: 3:13
